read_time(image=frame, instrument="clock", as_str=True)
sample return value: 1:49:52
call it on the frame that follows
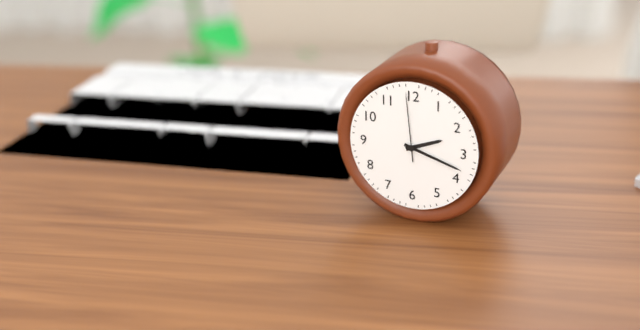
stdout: 2:18:59
